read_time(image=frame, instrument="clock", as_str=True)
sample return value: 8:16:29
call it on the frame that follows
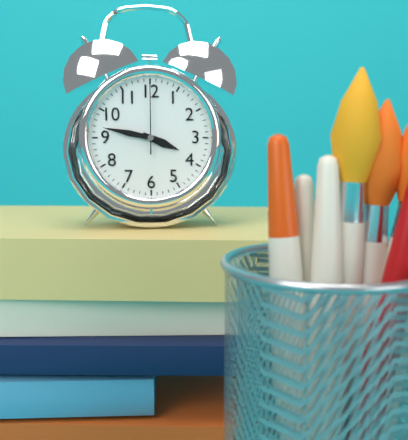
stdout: 3:47:00
